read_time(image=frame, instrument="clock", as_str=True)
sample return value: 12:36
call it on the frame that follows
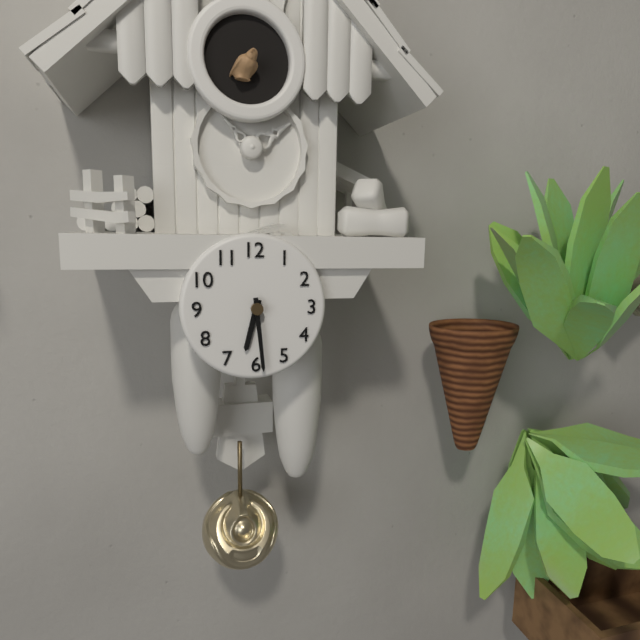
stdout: 6:29
